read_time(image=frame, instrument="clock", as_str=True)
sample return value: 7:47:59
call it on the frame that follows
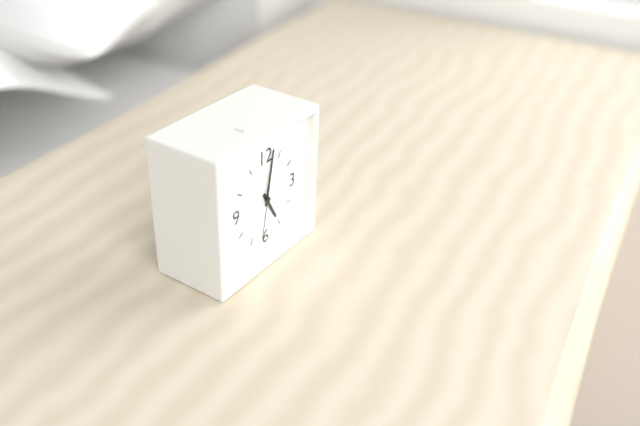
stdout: 5:02:32
